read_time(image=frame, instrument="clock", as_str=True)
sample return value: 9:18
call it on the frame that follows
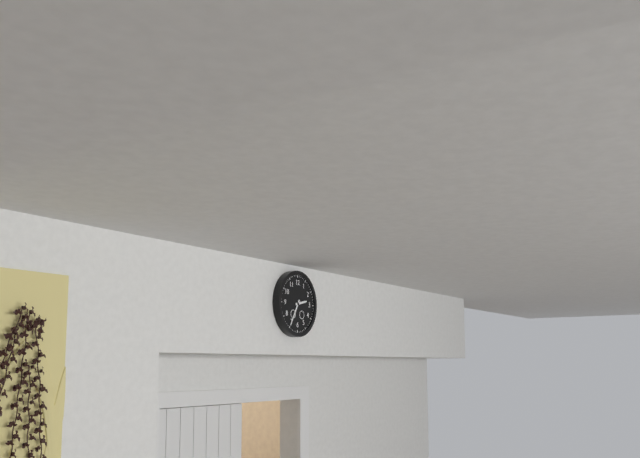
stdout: 2:35
